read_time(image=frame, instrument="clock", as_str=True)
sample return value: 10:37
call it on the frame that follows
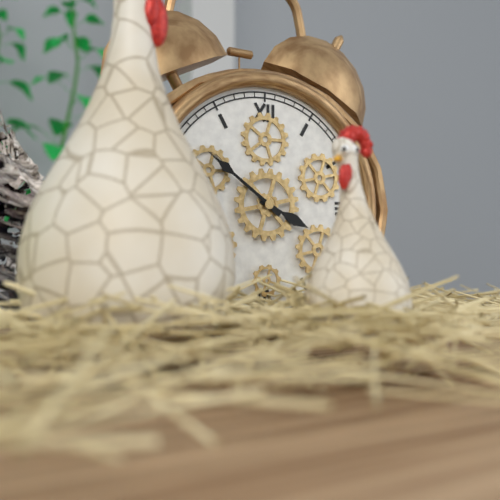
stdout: 3:51
